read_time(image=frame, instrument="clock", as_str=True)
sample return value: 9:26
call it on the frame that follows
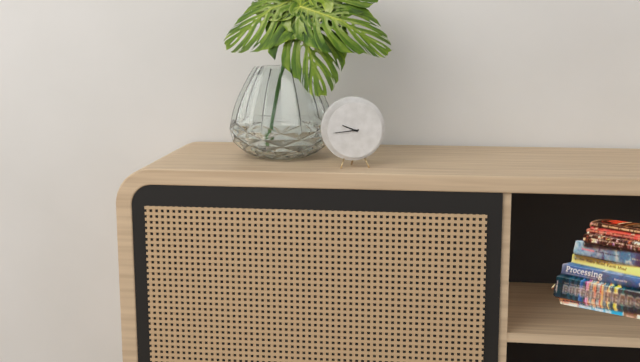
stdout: 9:44
